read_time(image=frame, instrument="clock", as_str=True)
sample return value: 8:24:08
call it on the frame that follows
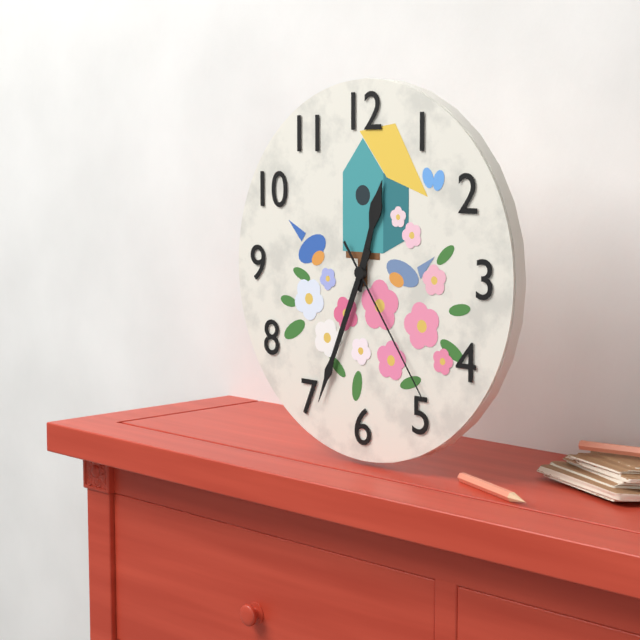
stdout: 12:34:24
